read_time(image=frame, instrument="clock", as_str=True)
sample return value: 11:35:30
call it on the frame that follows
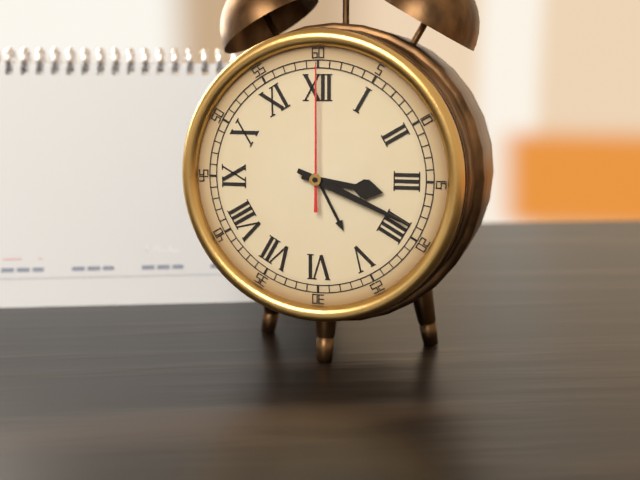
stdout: 3:19:00
